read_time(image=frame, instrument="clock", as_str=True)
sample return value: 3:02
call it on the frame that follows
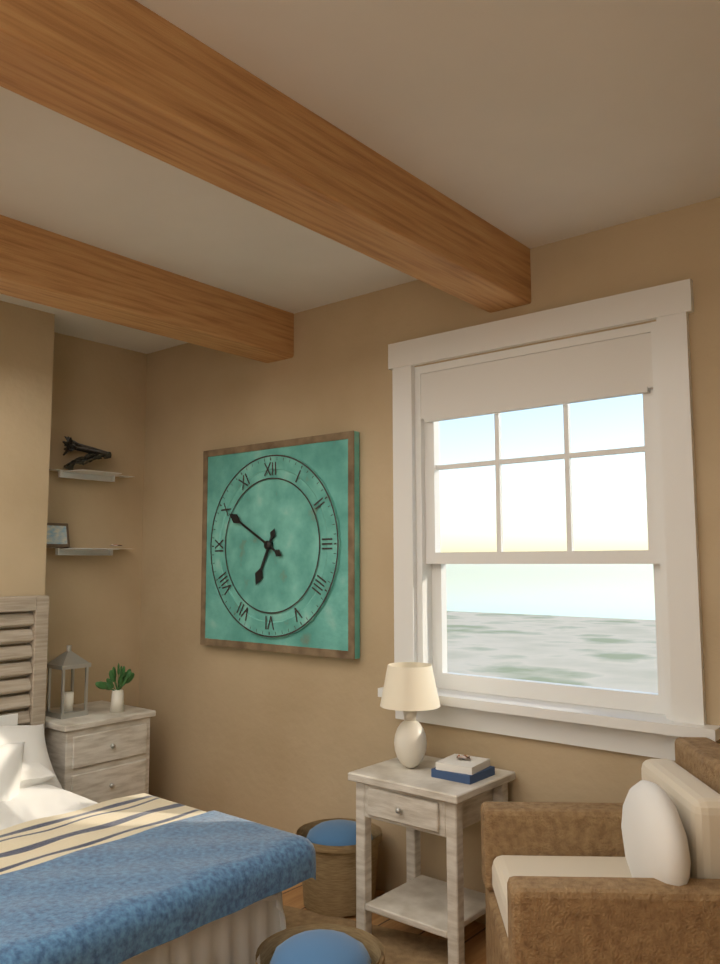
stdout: 6:50
